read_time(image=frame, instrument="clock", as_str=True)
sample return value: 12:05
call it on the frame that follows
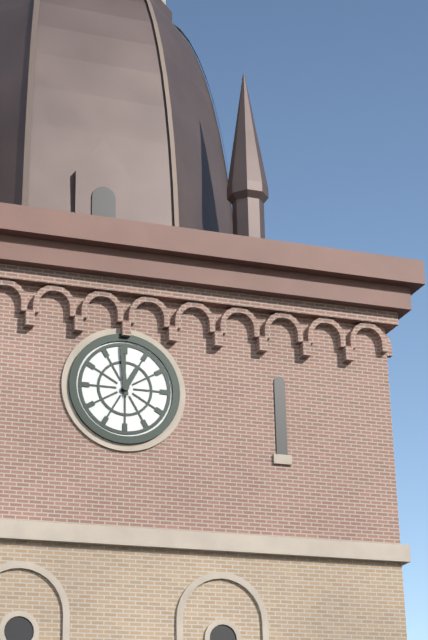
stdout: 12:59
